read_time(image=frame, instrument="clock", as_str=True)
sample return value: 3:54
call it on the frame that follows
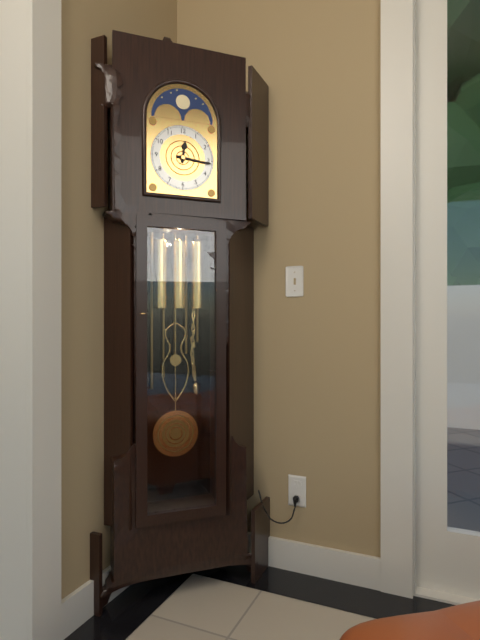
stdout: 12:16
